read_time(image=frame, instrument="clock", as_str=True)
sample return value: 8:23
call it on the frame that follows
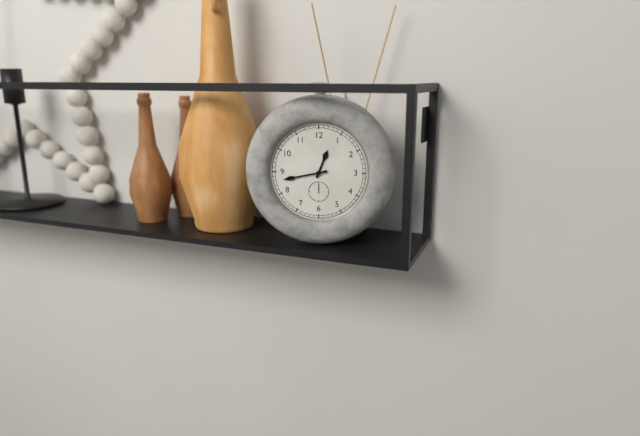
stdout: 12:43
